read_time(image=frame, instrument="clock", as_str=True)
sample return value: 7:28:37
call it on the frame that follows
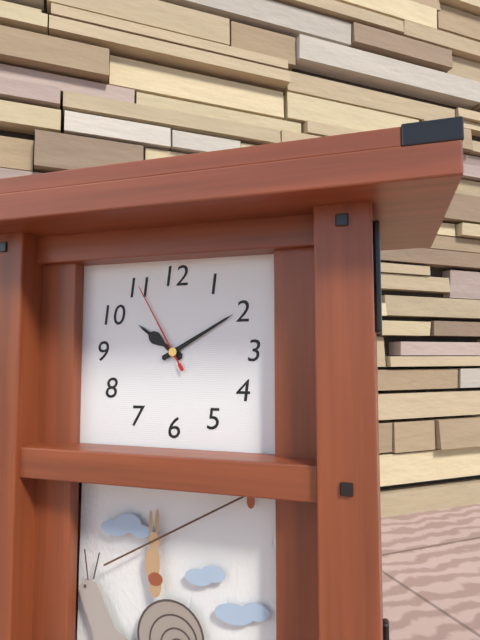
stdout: 10:10:55
